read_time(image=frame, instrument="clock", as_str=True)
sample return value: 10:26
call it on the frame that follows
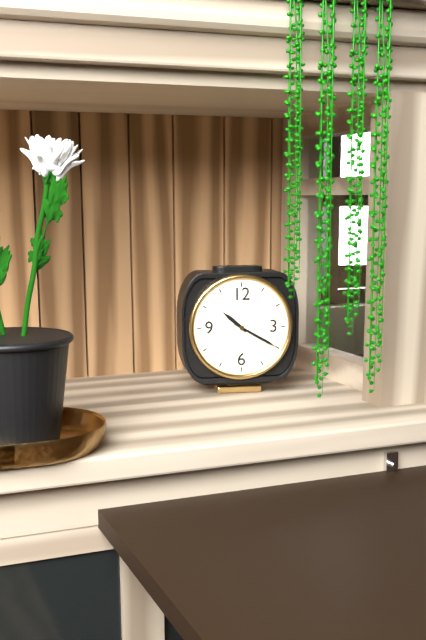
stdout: 10:20
